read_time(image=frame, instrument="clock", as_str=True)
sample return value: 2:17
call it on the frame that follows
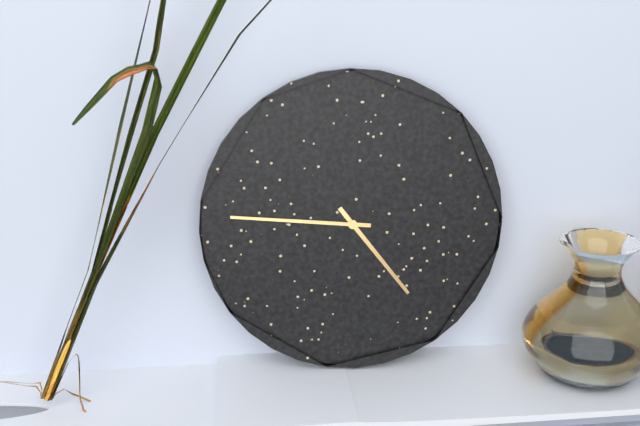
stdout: 4:46
